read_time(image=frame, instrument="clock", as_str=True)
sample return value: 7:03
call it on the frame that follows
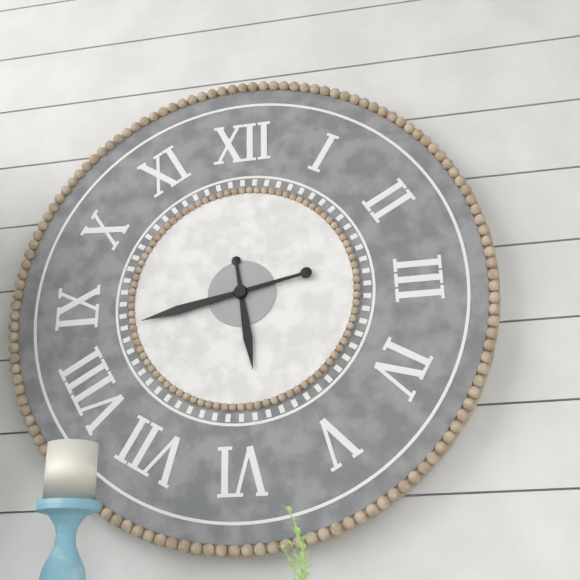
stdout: 5:43
